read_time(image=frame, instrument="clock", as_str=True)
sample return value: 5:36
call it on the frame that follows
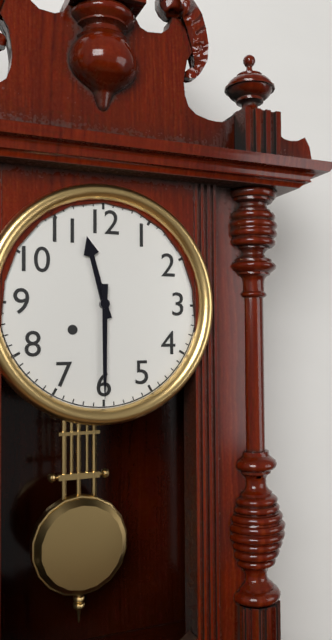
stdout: 11:30
